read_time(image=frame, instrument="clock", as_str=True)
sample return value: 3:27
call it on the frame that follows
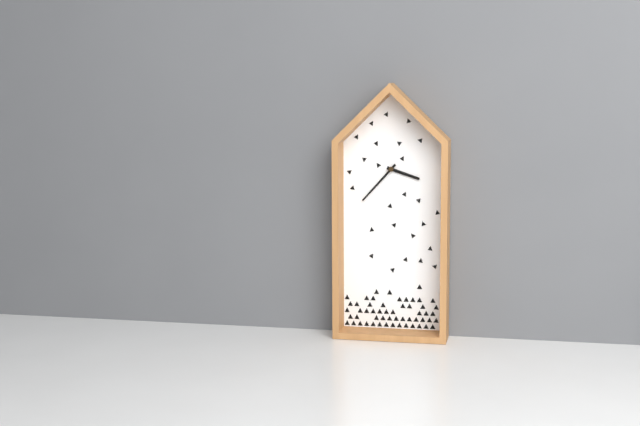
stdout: 3:37
